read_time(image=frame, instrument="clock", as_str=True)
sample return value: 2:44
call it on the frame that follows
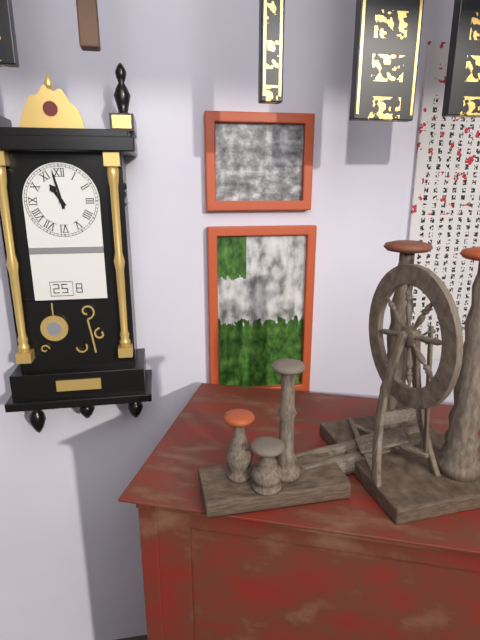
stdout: 10:58
